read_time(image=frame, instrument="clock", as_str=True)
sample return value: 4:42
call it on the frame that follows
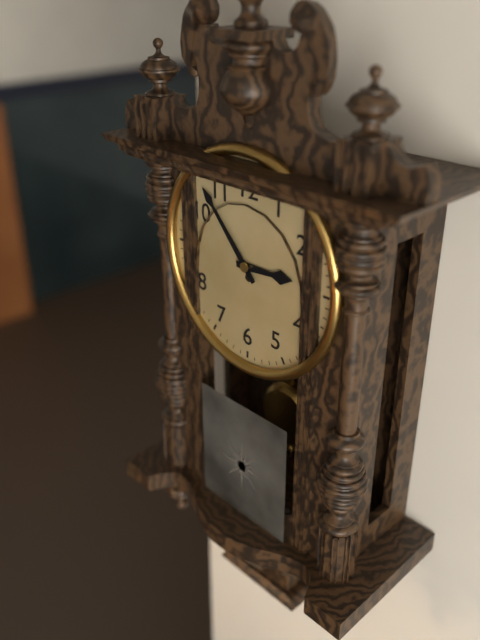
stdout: 2:53
